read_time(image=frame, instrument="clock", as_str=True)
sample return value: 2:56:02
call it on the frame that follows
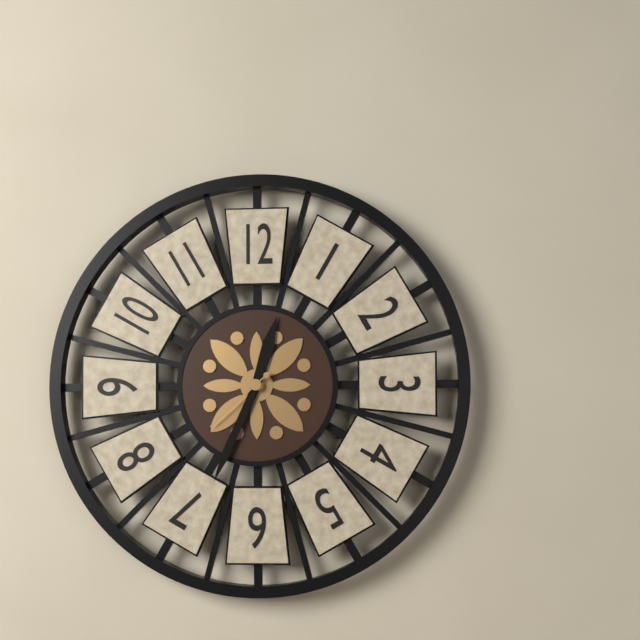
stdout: 12:34:38
